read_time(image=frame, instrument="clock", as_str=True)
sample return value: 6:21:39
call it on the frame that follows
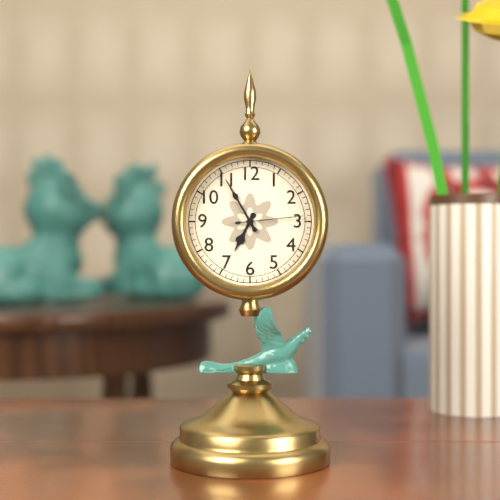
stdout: 6:55:14
